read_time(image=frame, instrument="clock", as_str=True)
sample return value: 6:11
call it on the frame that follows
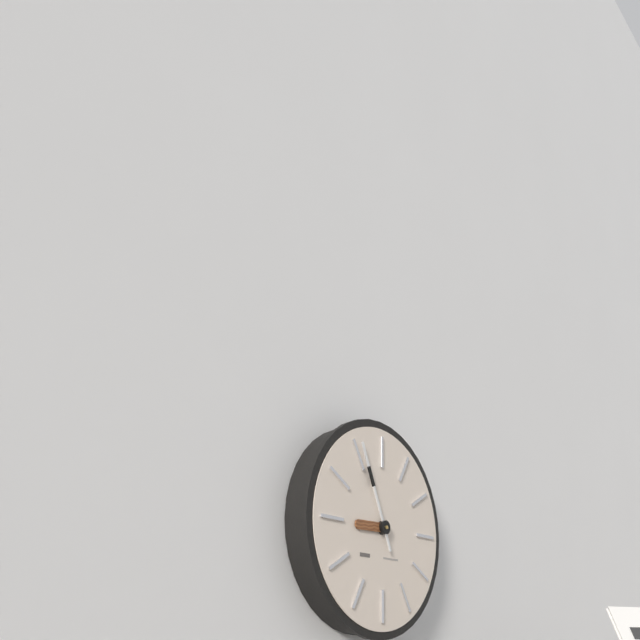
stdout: 8:56
